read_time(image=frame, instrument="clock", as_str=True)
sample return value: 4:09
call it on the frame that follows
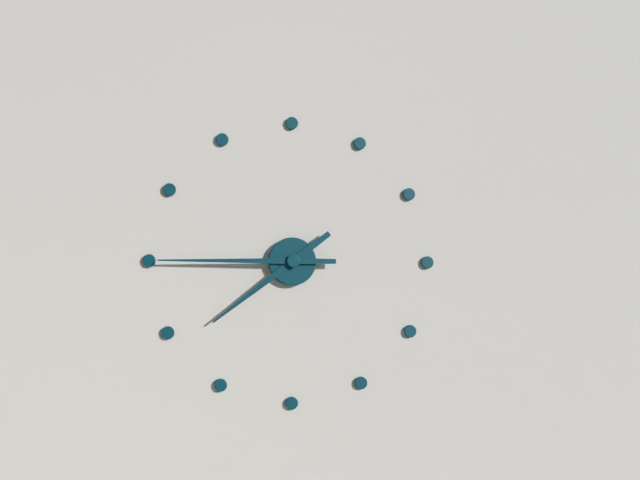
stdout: 7:45
